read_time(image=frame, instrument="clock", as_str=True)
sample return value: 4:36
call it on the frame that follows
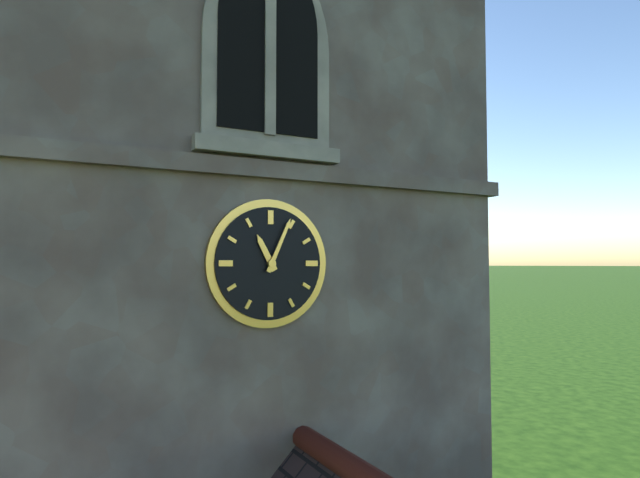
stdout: 11:04
